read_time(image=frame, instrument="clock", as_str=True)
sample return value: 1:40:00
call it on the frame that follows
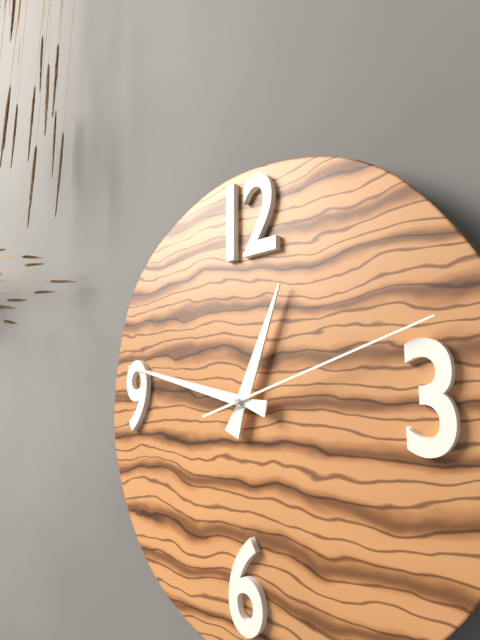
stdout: 12:47:12
